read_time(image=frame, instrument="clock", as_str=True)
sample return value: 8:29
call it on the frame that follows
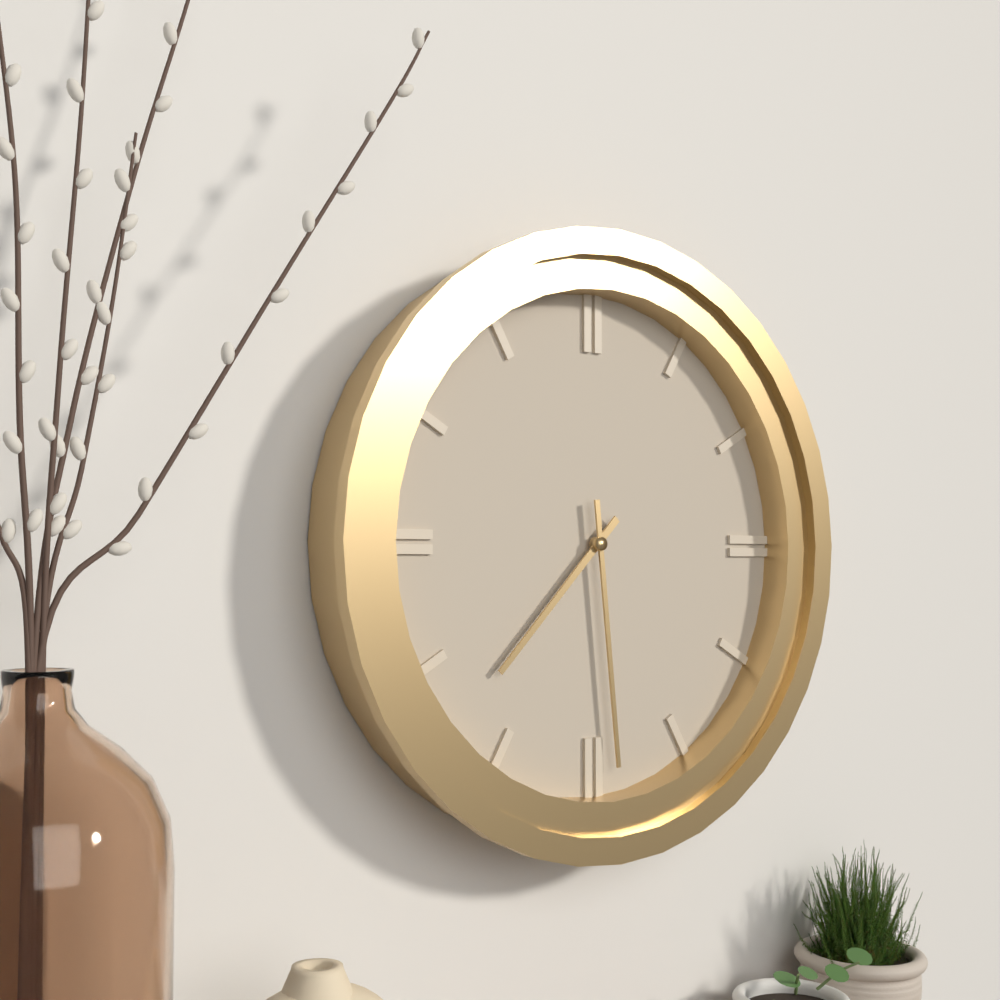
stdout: 7:29
